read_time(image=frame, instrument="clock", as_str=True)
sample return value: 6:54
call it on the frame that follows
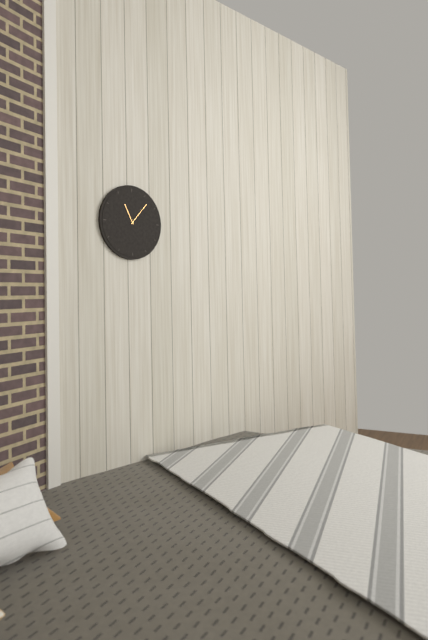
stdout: 11:07
